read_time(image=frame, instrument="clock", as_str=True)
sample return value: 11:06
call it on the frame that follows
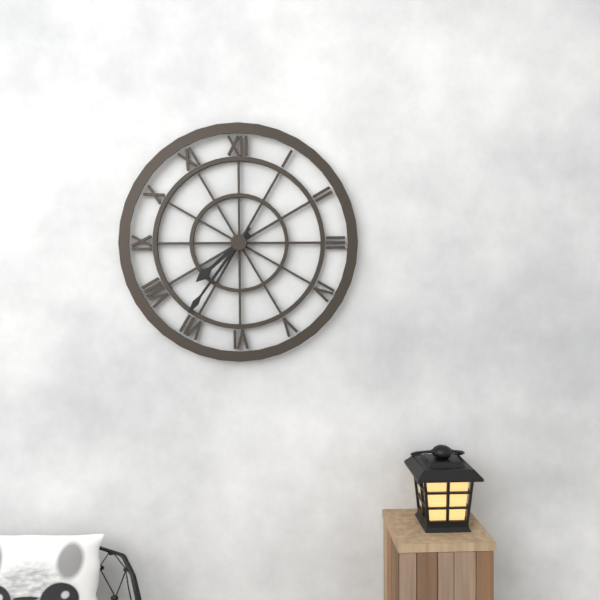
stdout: 7:36
